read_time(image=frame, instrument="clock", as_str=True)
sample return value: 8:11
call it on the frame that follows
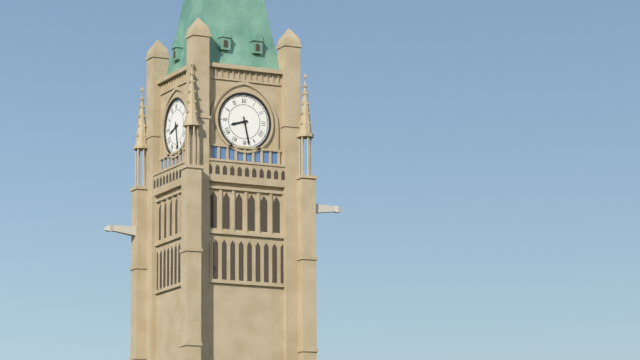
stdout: 8:28
